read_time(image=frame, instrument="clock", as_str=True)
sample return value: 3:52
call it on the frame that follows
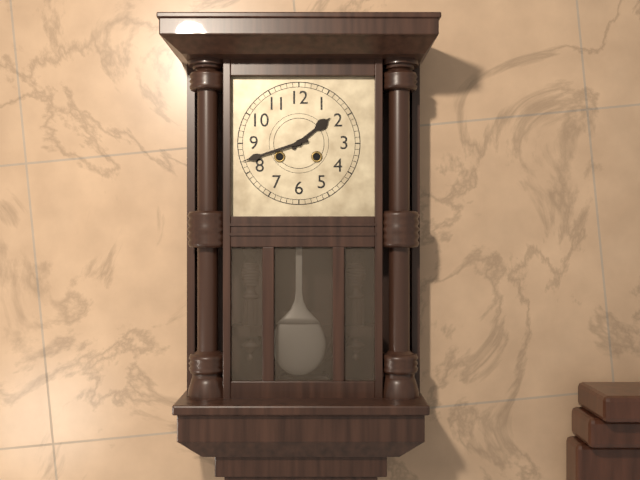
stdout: 1:42
